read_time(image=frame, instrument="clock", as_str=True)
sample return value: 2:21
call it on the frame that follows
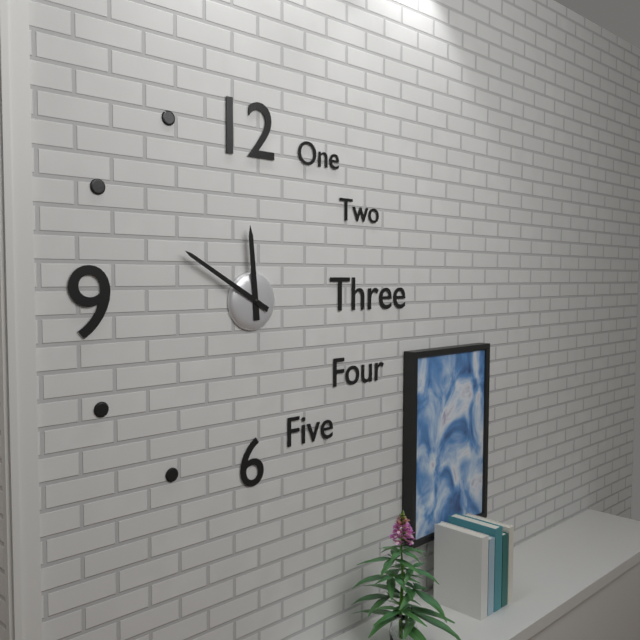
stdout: 11:50
